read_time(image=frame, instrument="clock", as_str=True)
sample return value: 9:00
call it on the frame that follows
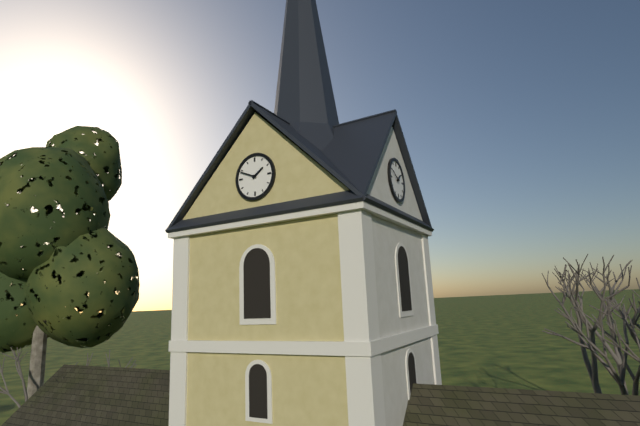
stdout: 1:49
